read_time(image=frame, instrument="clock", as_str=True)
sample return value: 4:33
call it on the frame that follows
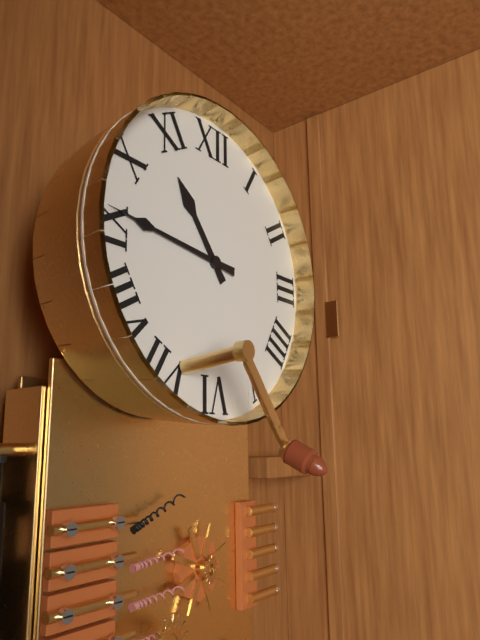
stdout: 10:46
